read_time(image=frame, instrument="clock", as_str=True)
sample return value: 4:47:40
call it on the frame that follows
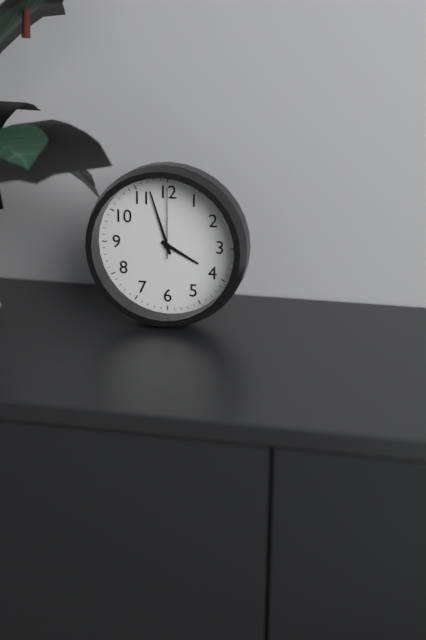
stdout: 3:57:00
